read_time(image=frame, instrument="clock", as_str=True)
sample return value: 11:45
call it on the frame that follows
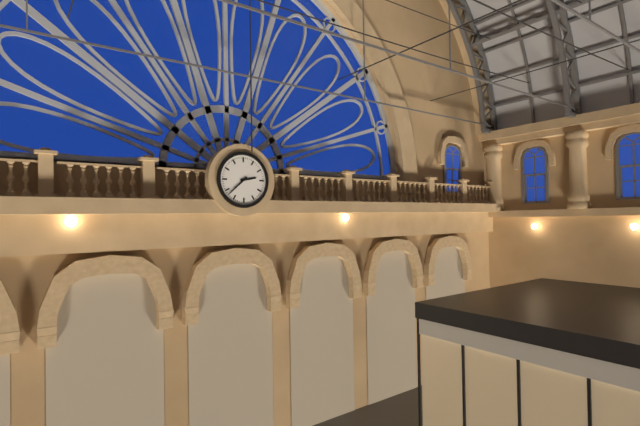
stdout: 2:38
